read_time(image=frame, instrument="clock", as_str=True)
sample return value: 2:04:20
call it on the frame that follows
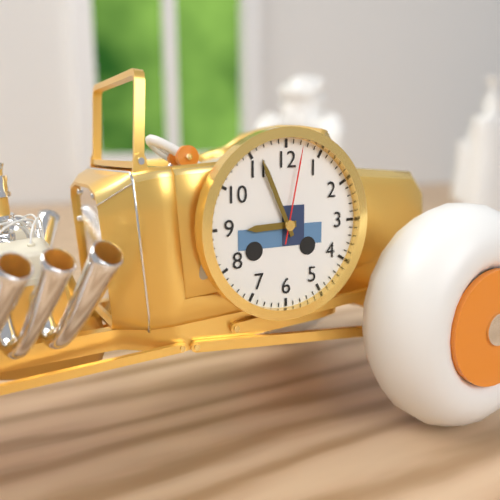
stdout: 8:56:02
